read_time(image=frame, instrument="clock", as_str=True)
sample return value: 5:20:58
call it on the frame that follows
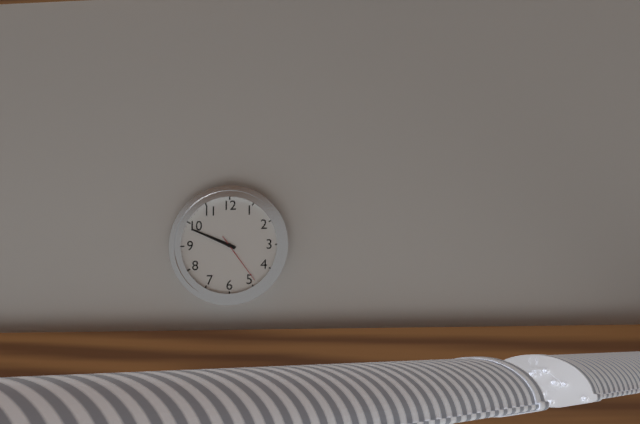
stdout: 9:49:24
